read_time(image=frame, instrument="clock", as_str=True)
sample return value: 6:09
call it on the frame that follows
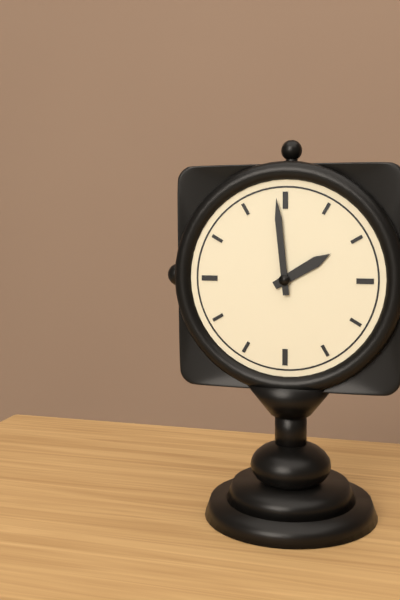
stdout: 1:59
